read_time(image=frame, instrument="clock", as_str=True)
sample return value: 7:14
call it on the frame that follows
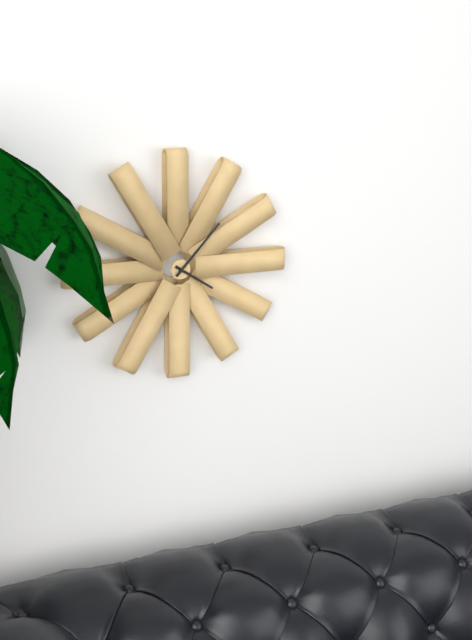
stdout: 4:07
